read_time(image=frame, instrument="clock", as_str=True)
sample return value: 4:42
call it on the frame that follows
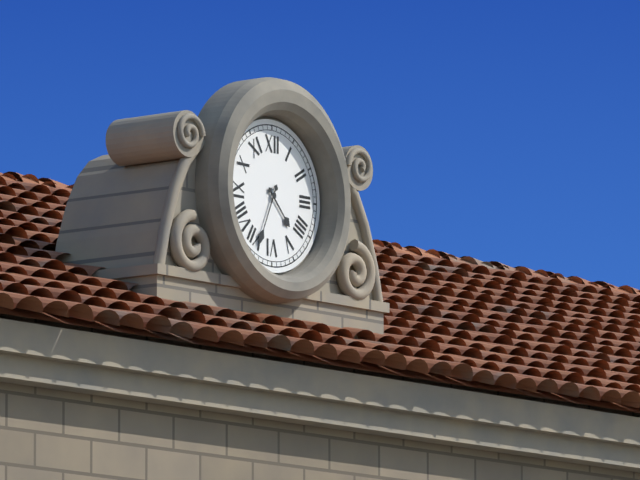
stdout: 4:34
